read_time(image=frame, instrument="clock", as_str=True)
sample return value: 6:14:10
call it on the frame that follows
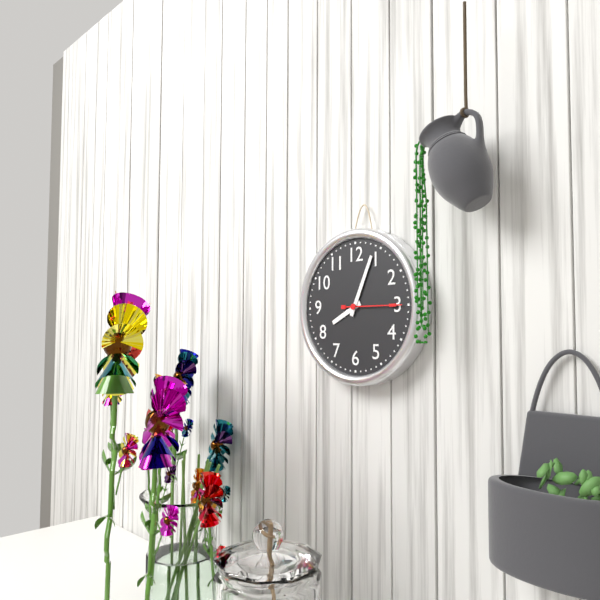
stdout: 8:04:15
